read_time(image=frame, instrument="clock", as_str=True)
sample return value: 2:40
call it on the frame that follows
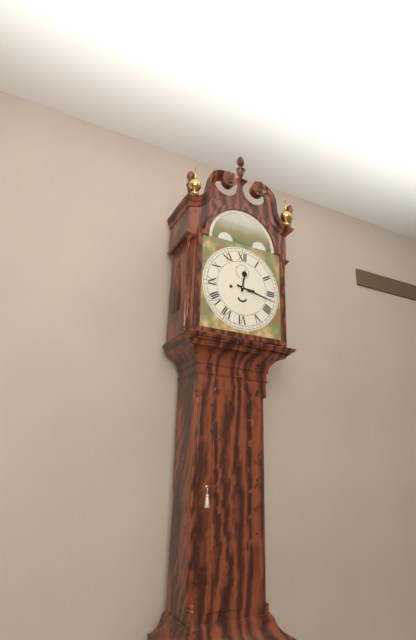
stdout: 12:17
